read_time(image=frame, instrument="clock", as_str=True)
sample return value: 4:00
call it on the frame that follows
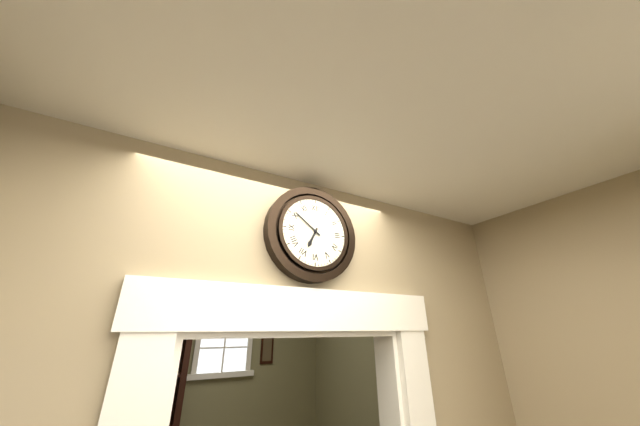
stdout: 6:51
